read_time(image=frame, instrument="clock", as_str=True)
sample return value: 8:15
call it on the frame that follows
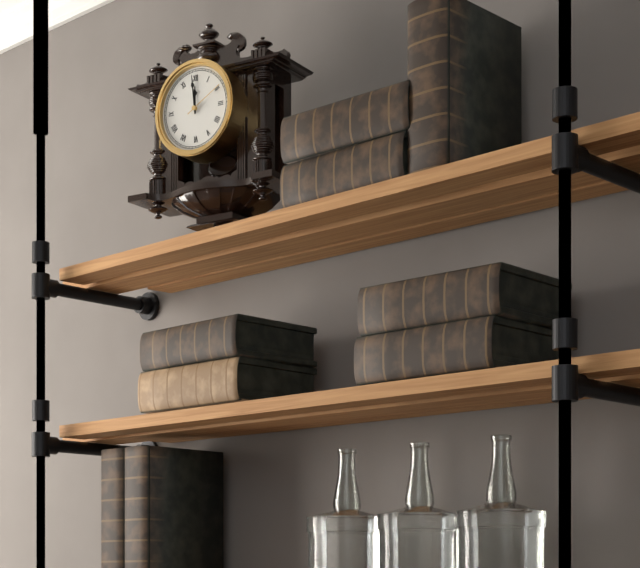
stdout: 11:59
